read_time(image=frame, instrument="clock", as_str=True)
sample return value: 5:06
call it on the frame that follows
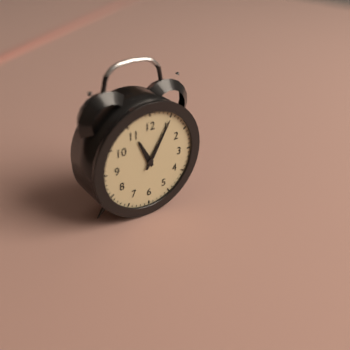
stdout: 11:05
